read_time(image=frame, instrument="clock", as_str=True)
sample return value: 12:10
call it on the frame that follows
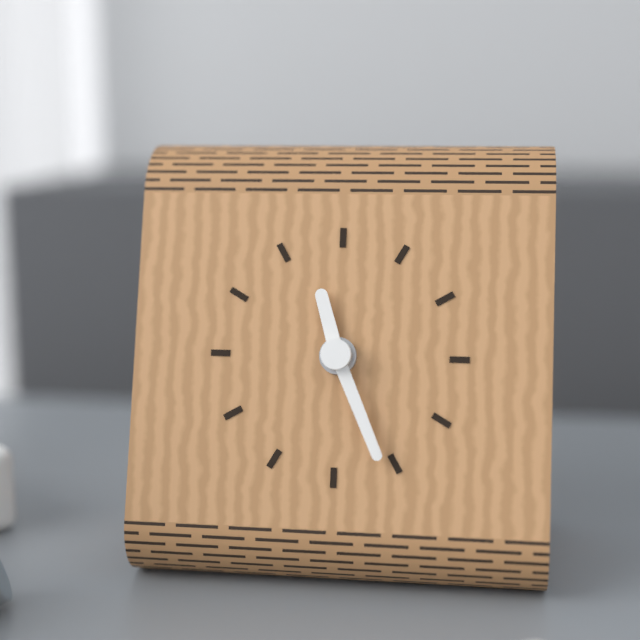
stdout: 11:26
